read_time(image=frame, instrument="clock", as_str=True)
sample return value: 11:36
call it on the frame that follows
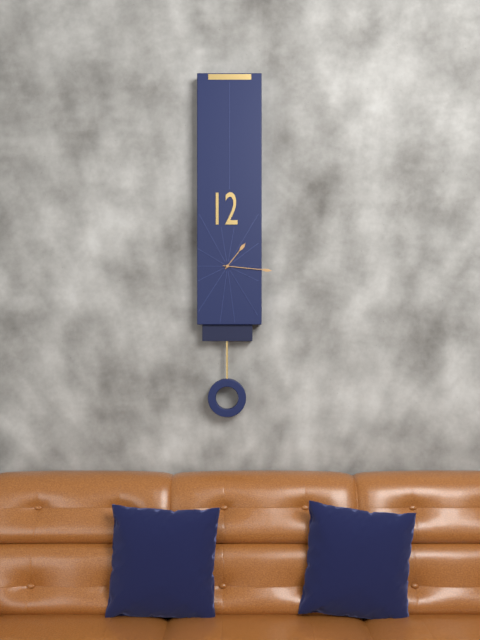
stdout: 1:16
